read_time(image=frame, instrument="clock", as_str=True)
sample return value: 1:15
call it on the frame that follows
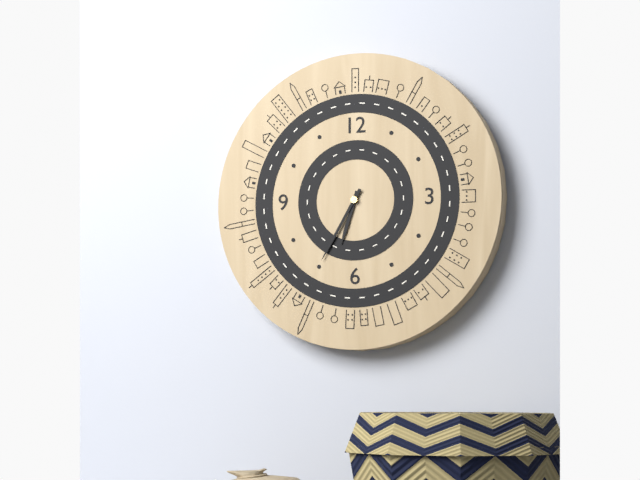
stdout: 6:35
